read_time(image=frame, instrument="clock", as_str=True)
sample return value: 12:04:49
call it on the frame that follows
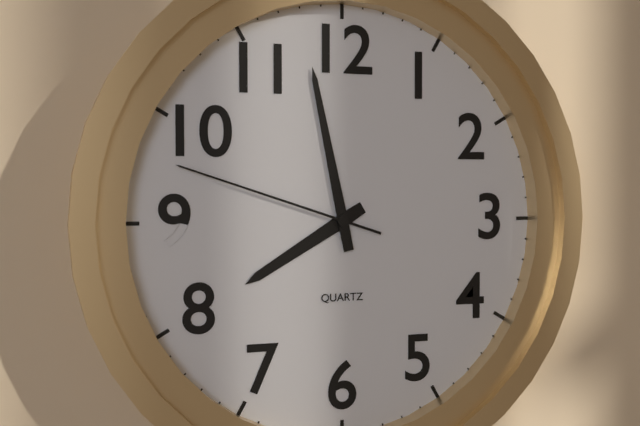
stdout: 7:58:48
